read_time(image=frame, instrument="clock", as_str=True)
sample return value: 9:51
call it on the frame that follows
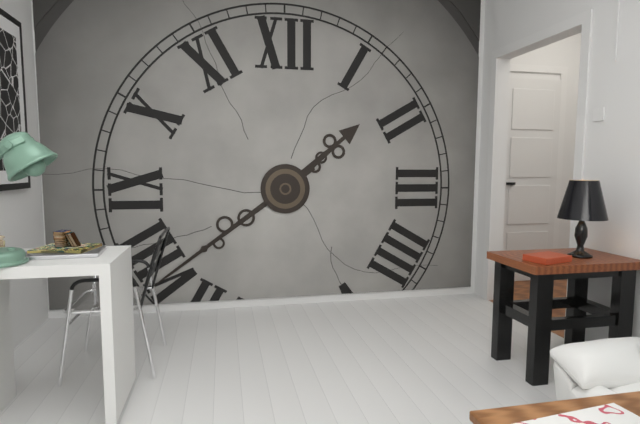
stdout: 1:39
